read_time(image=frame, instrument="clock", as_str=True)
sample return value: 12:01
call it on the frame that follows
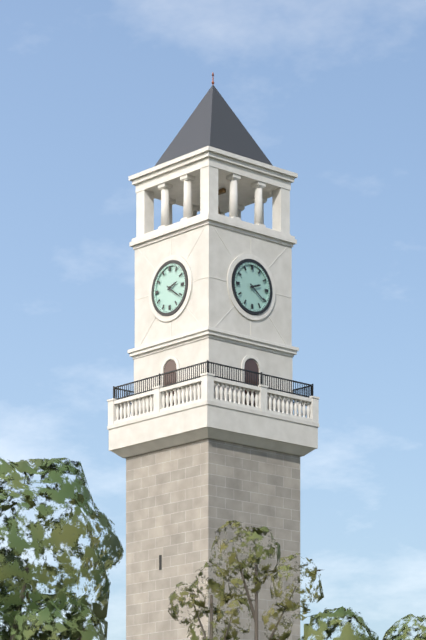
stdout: 2:21
